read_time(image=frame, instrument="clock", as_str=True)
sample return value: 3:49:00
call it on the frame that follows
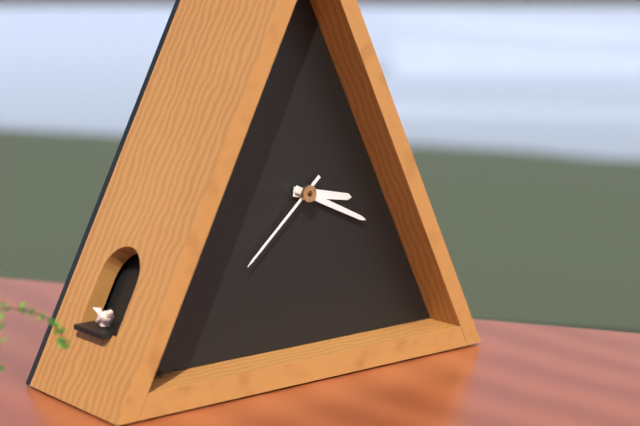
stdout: 3:19:38
